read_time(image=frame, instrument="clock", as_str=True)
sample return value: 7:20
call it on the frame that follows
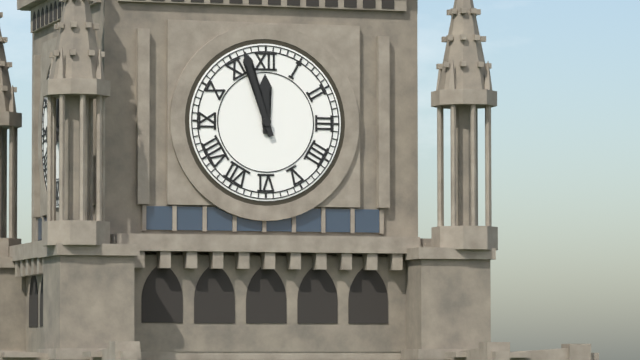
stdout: 11:57
